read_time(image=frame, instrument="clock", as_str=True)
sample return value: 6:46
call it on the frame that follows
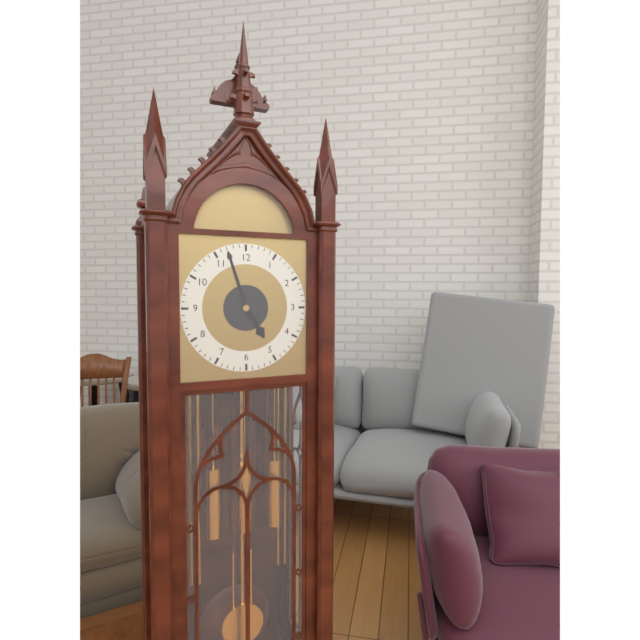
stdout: 4:57
